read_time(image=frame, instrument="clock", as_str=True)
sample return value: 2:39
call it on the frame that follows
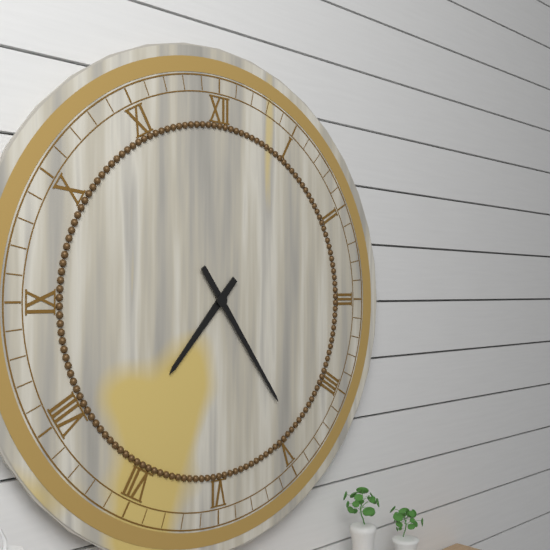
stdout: 7:24
